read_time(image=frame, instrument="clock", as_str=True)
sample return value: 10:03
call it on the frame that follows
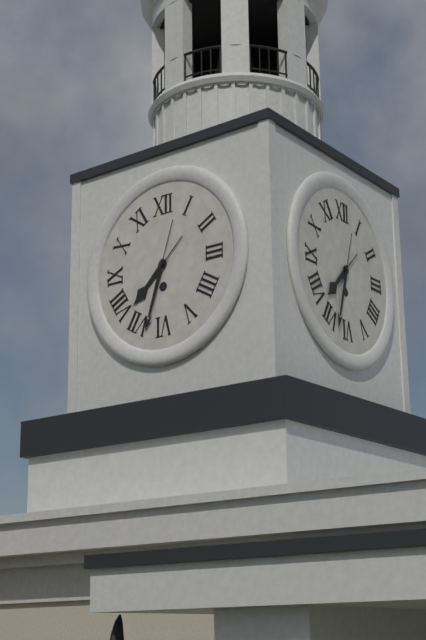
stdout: 7:33
